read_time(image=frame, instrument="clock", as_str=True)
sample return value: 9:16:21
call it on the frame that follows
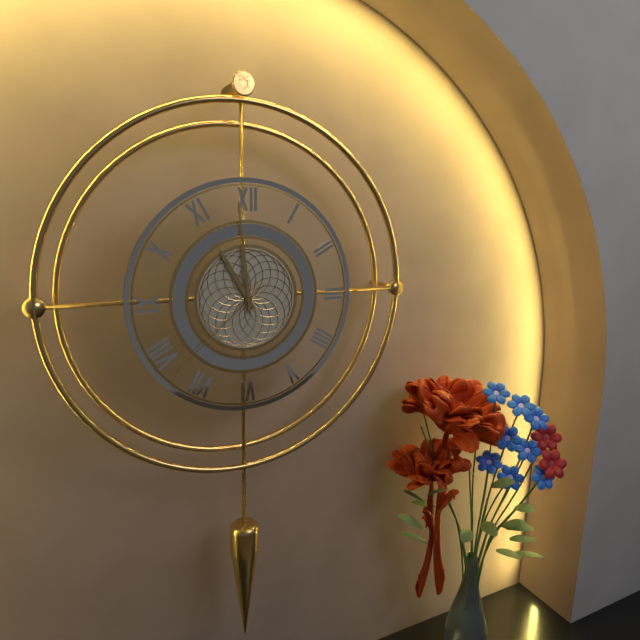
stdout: 10:59:38
